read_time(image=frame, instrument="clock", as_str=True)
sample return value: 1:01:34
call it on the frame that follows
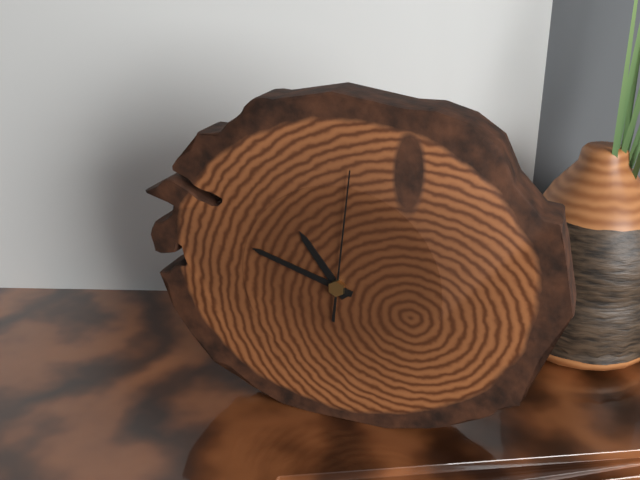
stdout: 10:48:01
